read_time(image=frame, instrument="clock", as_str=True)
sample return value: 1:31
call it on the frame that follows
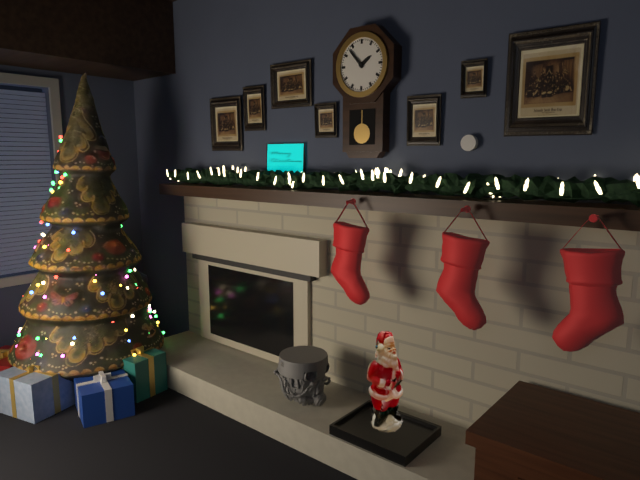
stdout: 1:53
